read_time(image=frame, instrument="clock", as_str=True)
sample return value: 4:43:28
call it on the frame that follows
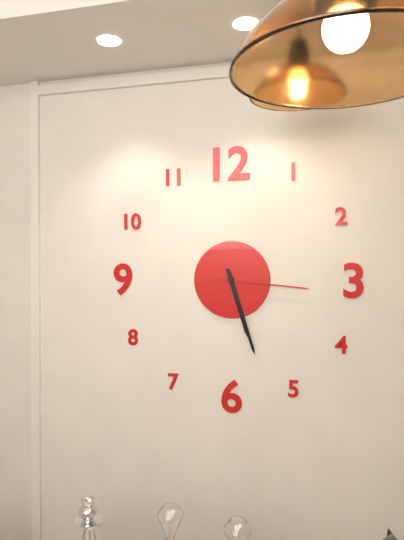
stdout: 5:27:16
